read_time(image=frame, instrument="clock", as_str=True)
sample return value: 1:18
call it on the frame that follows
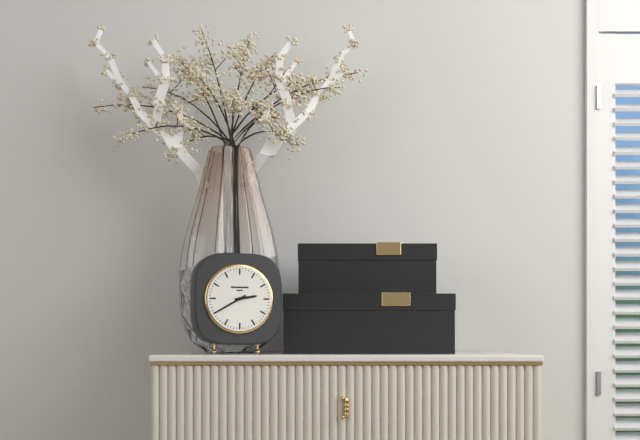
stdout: 2:40
